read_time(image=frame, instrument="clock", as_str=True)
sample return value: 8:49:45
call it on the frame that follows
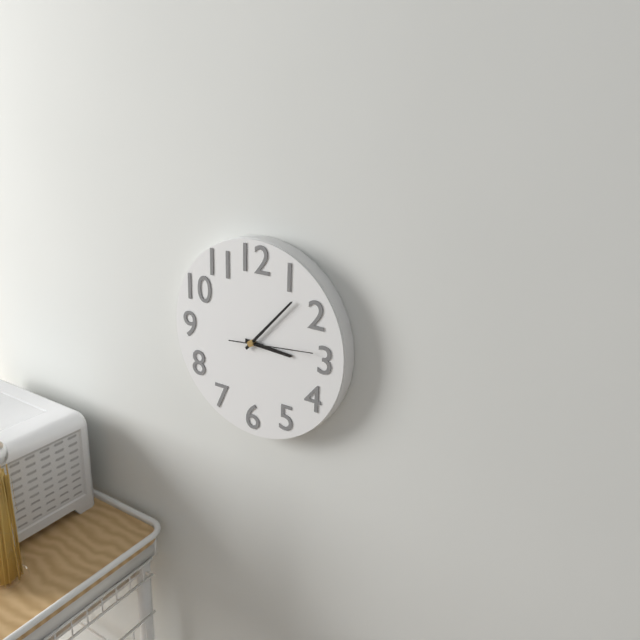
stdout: 3:07:14
